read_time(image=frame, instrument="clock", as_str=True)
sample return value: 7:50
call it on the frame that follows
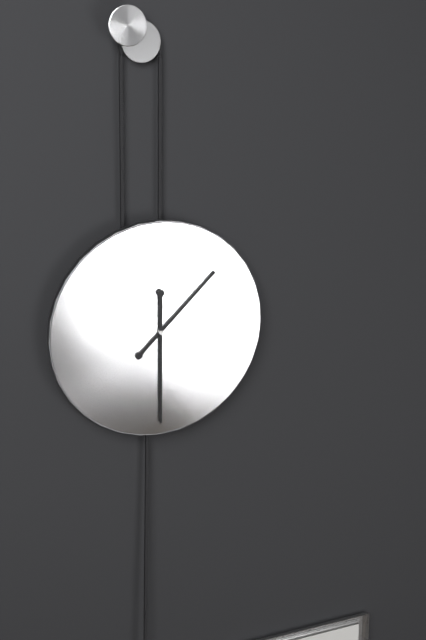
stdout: 1:30
